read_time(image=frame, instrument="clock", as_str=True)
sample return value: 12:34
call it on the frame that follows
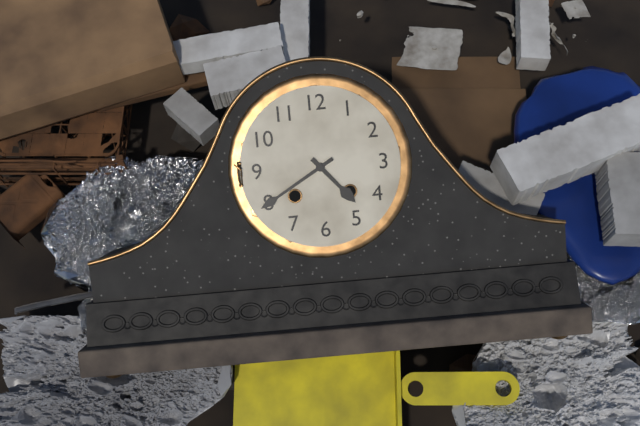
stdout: 4:40
